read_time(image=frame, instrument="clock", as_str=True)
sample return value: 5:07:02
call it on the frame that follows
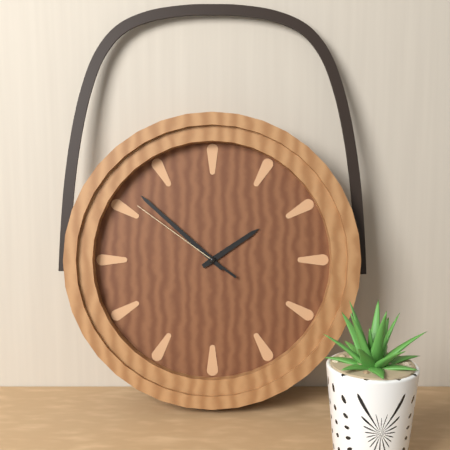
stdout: 1:52:51
